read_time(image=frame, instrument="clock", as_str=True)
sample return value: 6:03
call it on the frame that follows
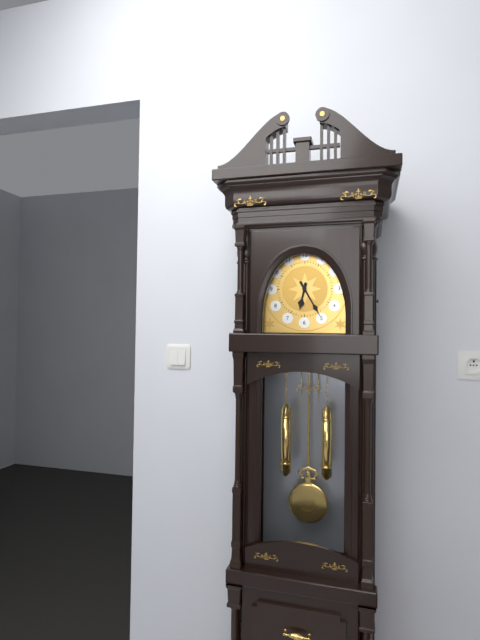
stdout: 6:25
